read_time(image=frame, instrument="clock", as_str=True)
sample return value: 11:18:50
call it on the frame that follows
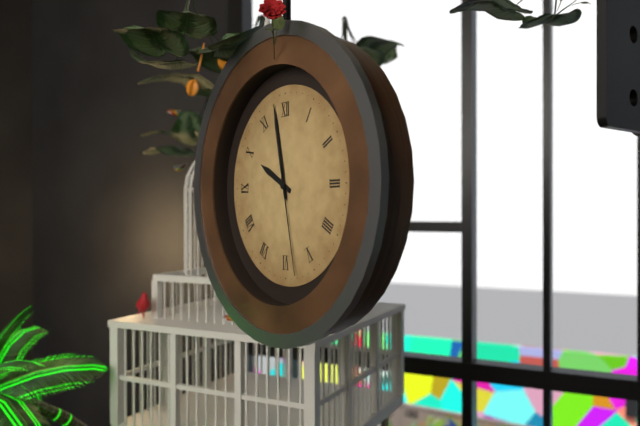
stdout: 9:58:28
